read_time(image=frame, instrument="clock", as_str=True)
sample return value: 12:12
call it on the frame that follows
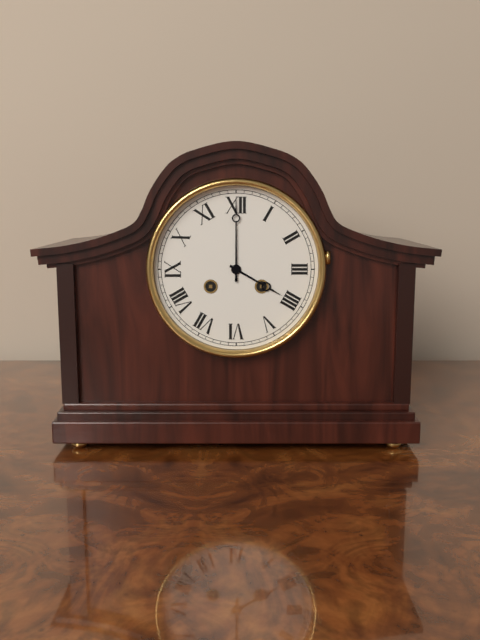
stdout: 4:00
